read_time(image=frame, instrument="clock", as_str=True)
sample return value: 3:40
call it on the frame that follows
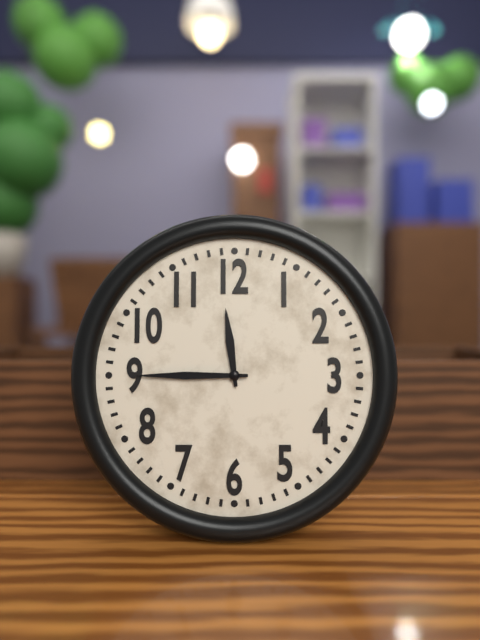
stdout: 11:45
